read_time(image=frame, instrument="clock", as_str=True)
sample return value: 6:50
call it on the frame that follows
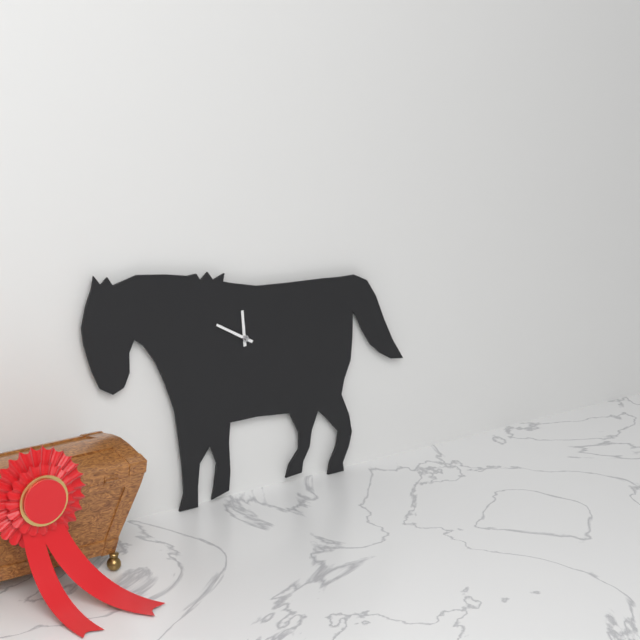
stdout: 11:50
